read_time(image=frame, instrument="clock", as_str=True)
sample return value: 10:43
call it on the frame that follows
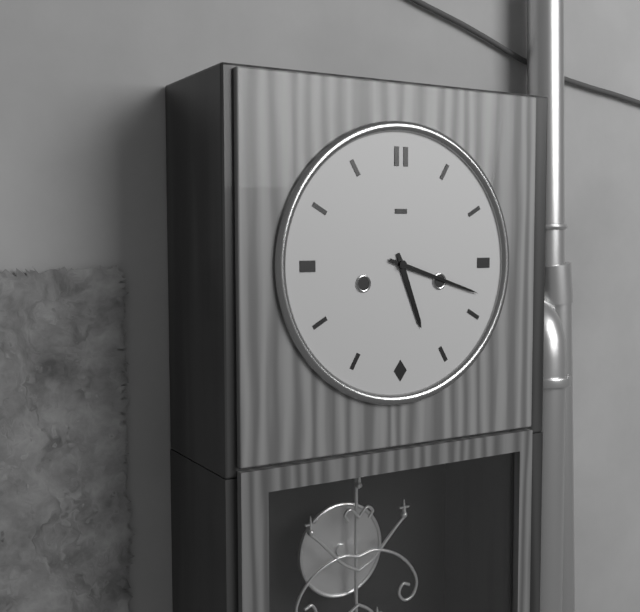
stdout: 5:18
